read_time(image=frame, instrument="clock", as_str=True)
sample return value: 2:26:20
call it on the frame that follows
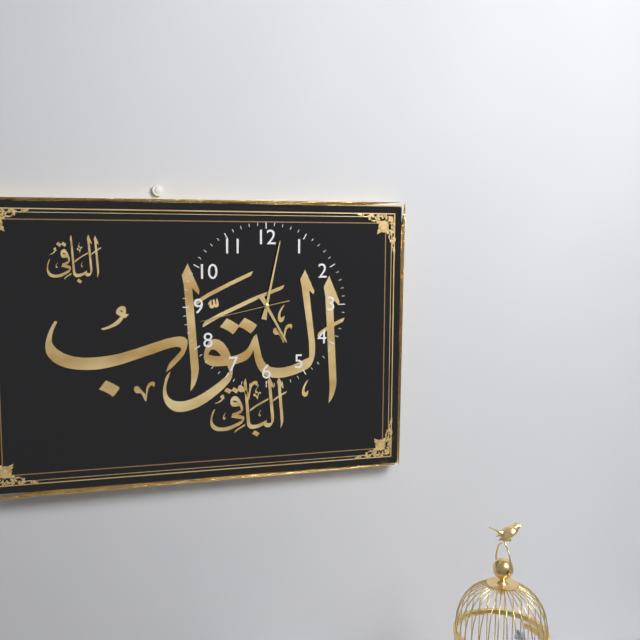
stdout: 5:02:43
